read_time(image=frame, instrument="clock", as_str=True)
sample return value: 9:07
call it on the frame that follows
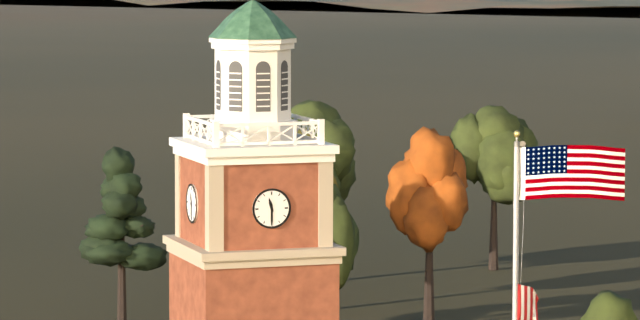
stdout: 11:30
